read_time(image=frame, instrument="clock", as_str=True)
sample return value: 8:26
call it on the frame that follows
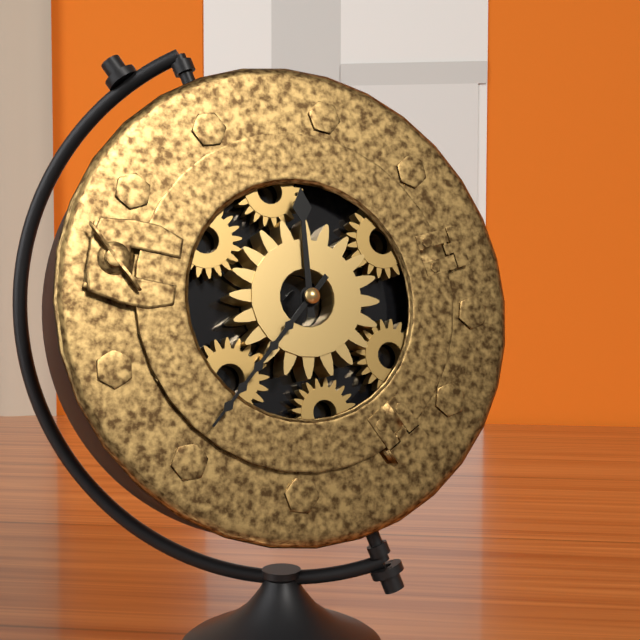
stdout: 11:35
